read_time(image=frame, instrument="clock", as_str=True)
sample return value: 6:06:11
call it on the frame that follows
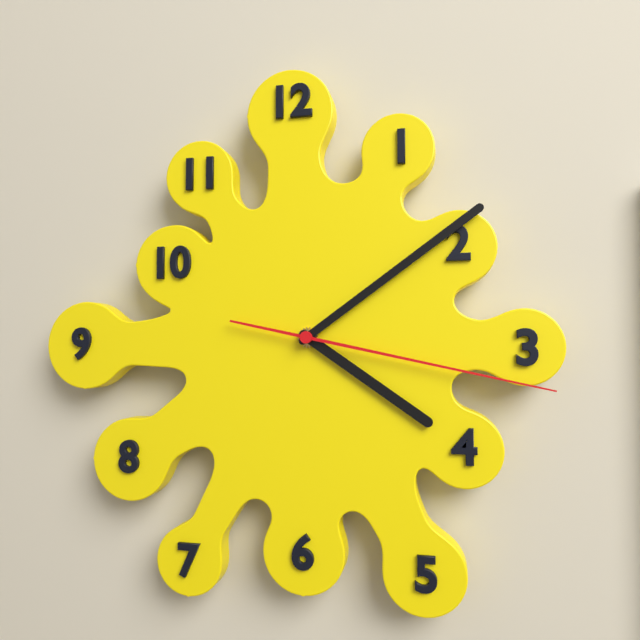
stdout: 4:09:17
